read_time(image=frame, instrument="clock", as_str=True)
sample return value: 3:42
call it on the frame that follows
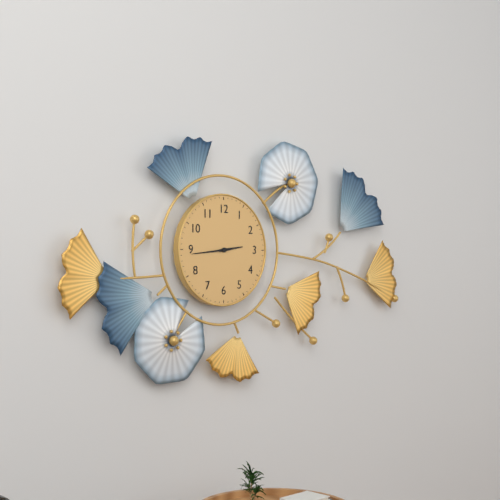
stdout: 2:44
